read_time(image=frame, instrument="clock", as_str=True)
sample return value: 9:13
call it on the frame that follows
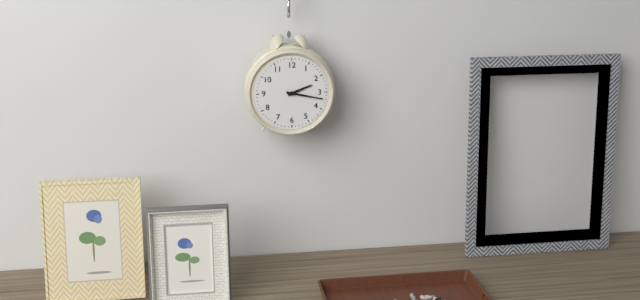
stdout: 2:17
